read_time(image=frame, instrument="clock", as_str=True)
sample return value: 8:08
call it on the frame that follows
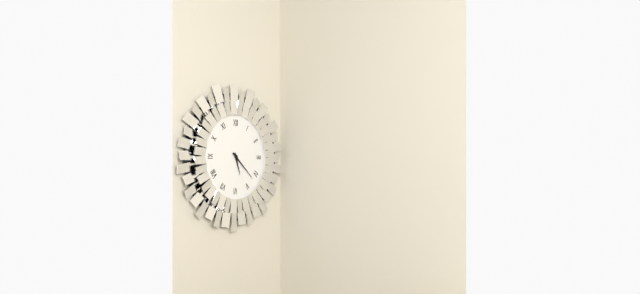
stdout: 5:22
